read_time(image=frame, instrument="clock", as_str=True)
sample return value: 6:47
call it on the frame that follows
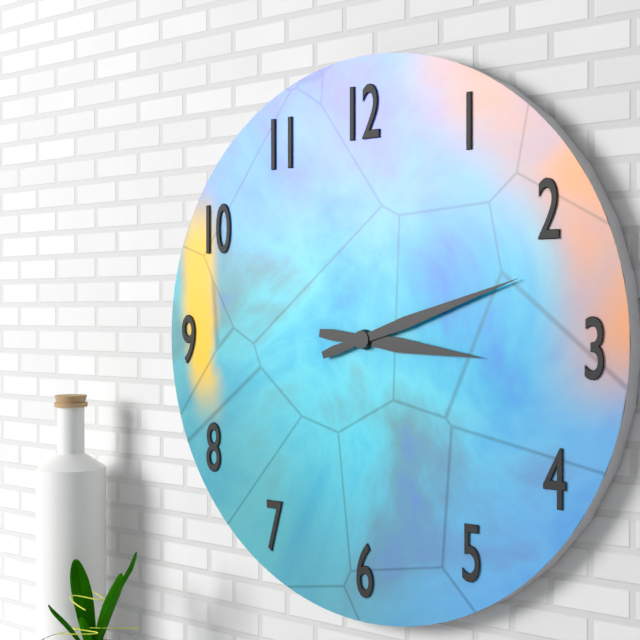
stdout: 3:12
